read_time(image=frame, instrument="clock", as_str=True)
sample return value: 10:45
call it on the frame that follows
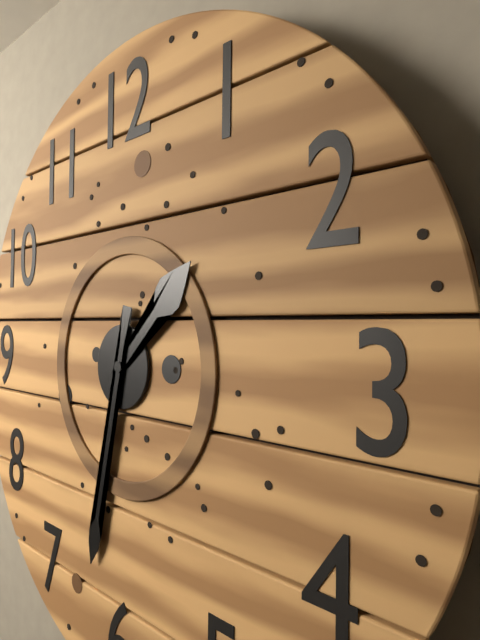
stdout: 1:32
